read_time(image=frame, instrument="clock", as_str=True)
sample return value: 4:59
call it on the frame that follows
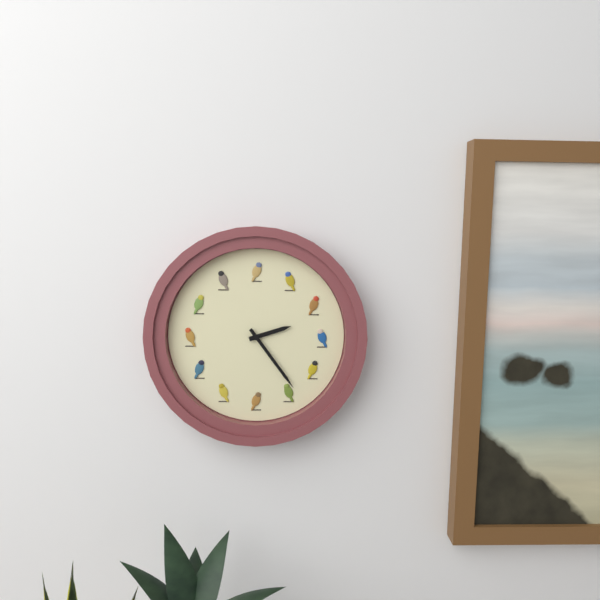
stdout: 2:24
